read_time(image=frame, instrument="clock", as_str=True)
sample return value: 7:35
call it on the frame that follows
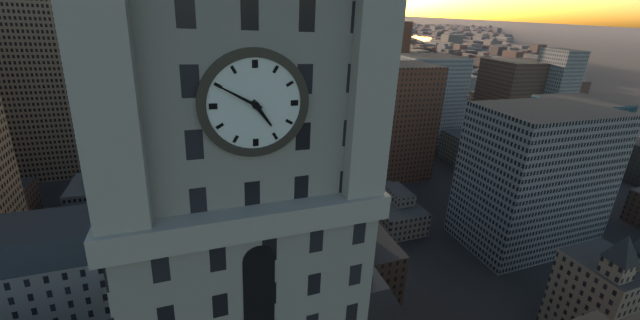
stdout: 4:50
